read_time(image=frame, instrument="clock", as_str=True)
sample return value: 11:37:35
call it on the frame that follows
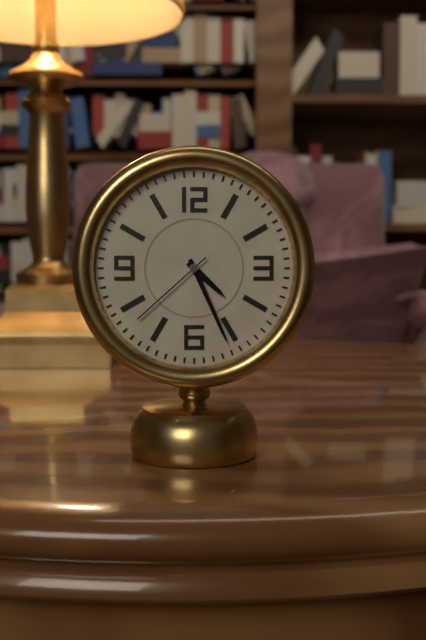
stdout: 4:26:38
